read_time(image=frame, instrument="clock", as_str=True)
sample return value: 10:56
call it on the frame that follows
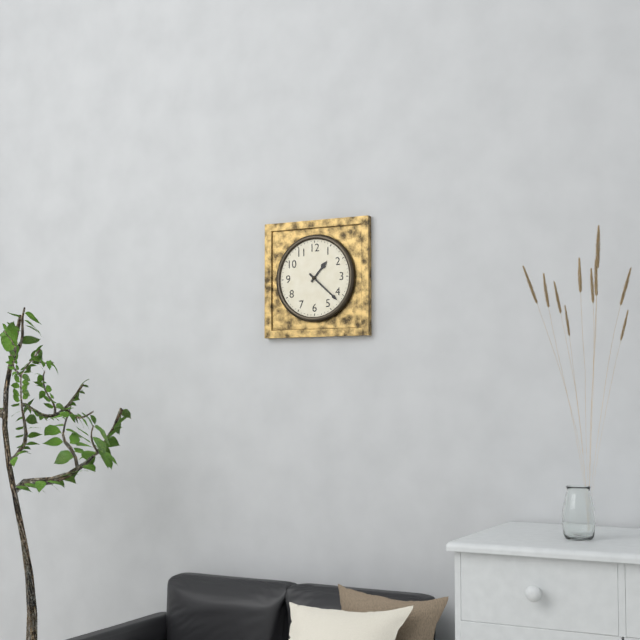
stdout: 1:22
